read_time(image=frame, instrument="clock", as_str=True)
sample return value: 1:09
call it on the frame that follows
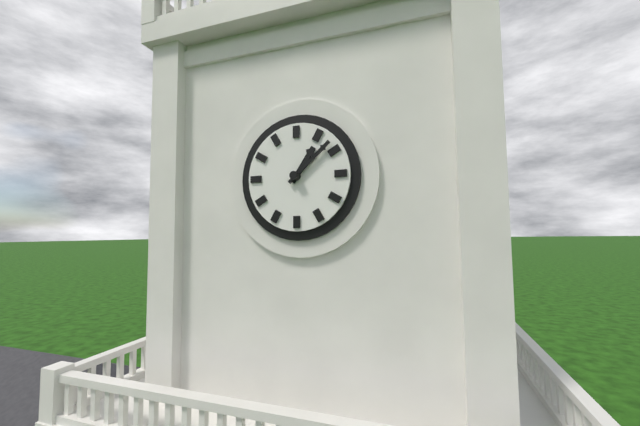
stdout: 1:08
